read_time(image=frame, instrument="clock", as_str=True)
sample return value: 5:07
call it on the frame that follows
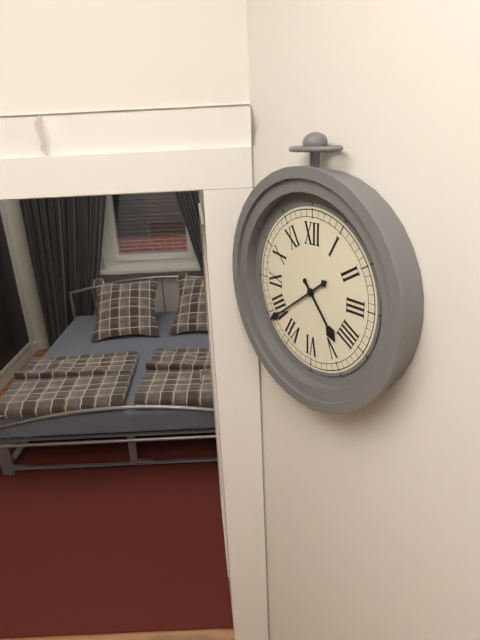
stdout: 4:39
